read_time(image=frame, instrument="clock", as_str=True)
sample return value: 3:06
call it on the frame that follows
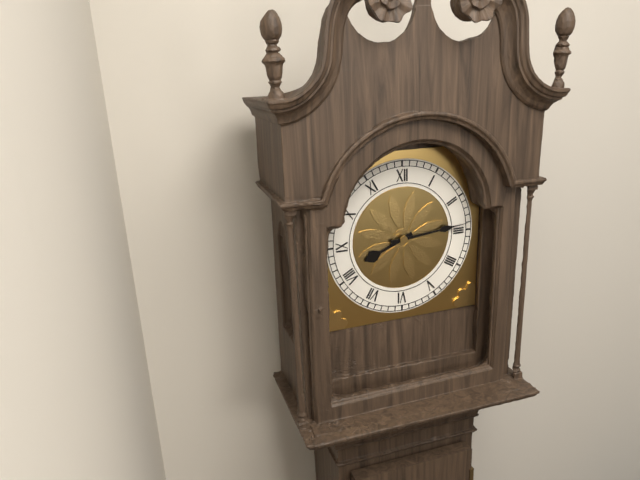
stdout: 8:14
